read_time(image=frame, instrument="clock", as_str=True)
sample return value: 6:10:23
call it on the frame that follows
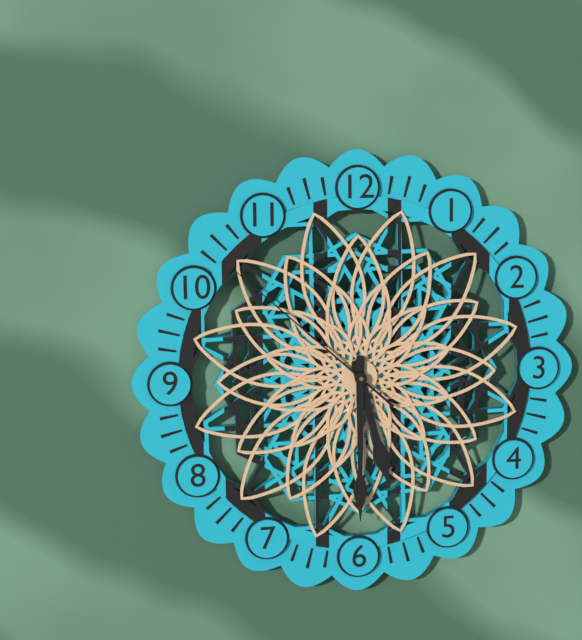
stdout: 5:30:52
